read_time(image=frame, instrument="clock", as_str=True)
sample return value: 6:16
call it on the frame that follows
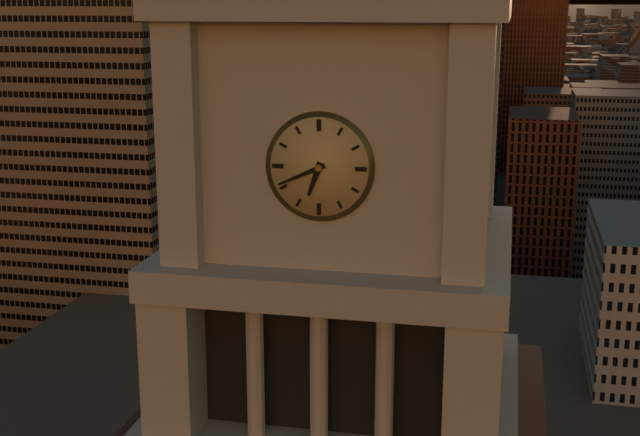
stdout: 6:41
